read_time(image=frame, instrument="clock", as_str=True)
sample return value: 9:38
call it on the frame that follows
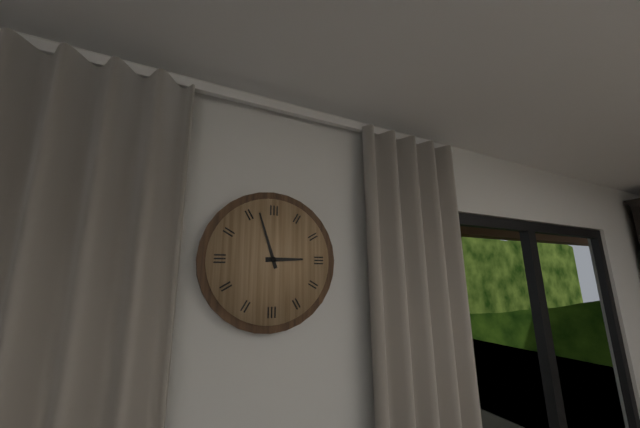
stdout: 2:57
